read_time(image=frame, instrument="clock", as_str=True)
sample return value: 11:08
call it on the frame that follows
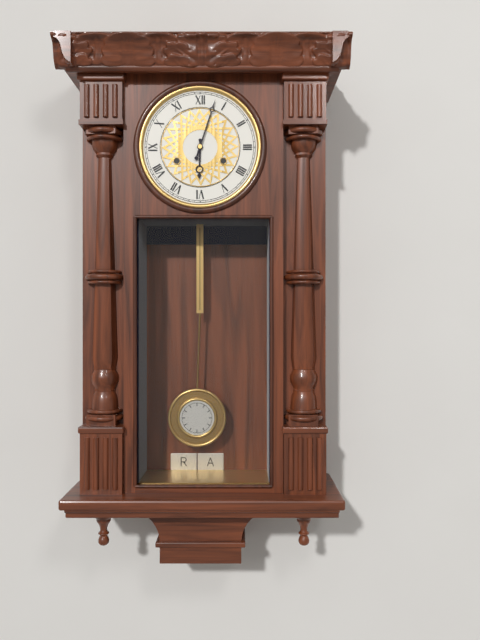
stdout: 6:03
